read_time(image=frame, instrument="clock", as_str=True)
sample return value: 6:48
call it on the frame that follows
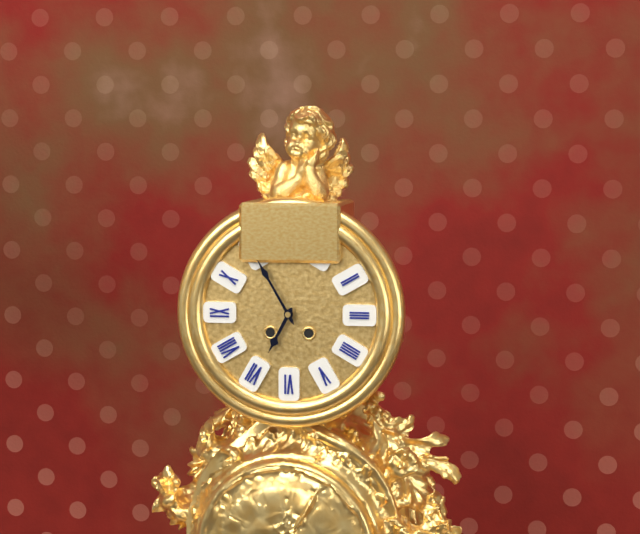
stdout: 6:55
